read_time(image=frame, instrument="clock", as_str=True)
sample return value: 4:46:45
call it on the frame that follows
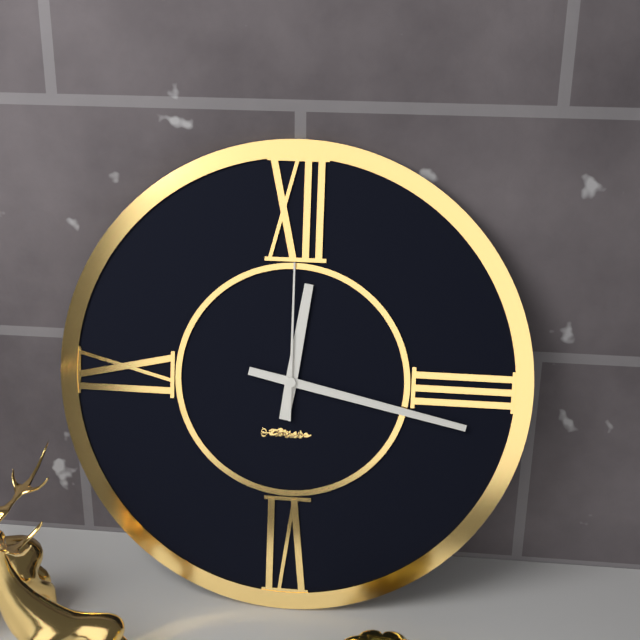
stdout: 12:17:00
